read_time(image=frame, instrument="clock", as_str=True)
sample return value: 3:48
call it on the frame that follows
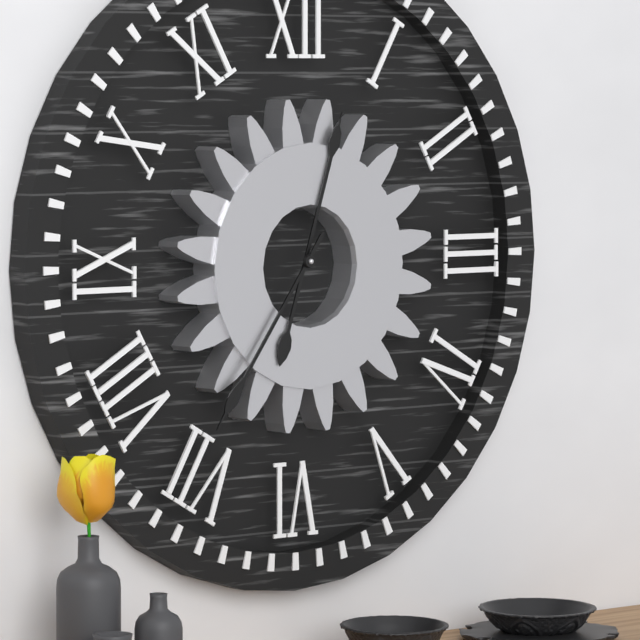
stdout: 12:36
